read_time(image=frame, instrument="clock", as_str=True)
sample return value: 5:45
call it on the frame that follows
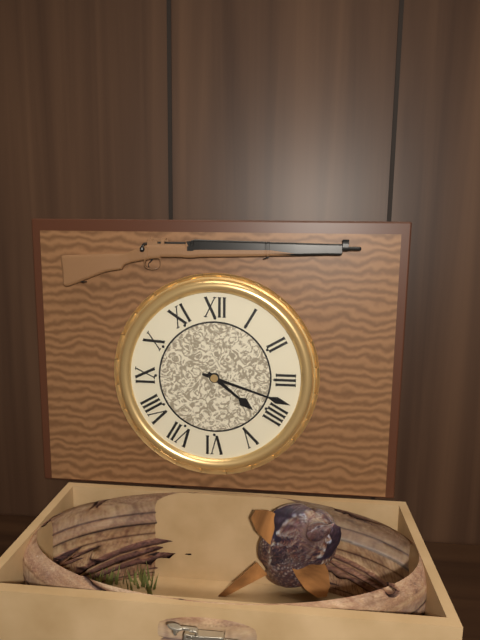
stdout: 4:18
